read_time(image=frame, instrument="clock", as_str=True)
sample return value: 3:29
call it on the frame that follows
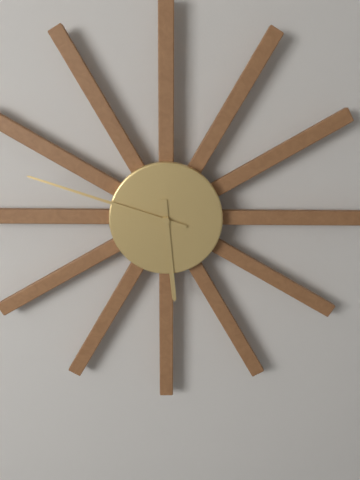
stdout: 5:48
